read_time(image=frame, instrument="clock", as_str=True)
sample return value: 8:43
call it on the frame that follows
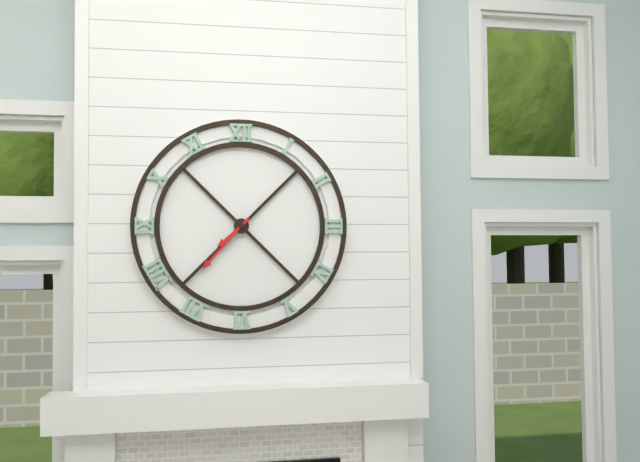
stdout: 7:37
